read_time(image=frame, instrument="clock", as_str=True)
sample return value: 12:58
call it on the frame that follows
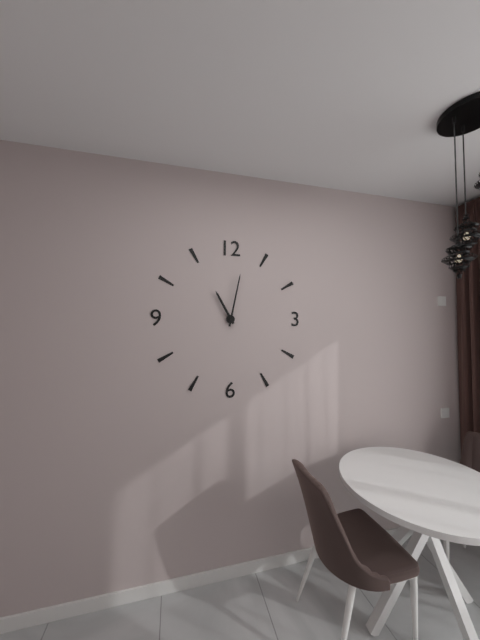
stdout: 11:02
